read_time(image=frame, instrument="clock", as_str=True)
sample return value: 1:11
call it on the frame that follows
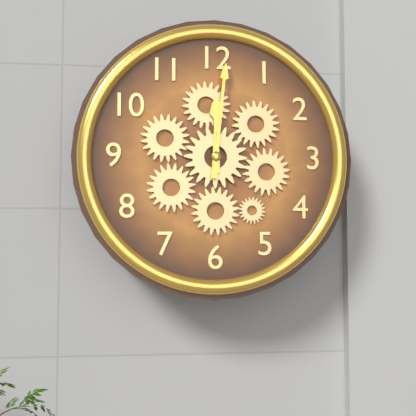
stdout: 12:01
